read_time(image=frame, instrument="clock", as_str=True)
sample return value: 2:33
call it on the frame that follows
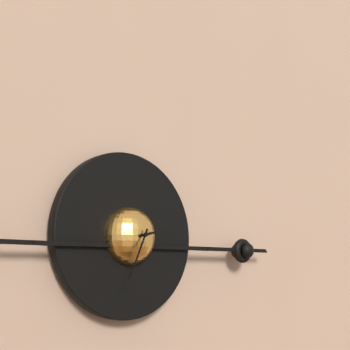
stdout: 2:34
